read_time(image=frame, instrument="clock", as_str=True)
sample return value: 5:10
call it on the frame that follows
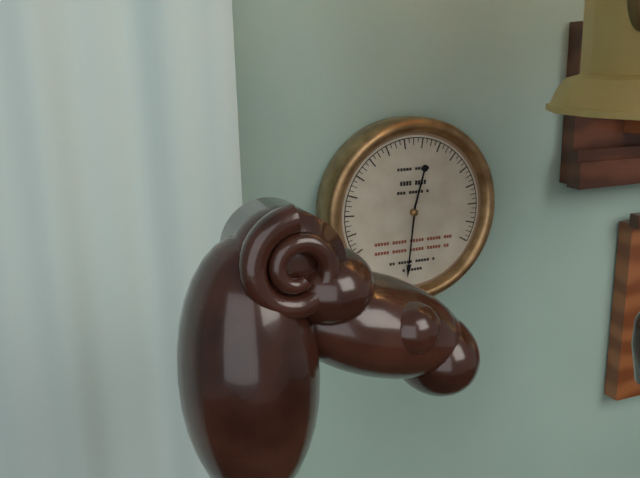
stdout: 12:31
